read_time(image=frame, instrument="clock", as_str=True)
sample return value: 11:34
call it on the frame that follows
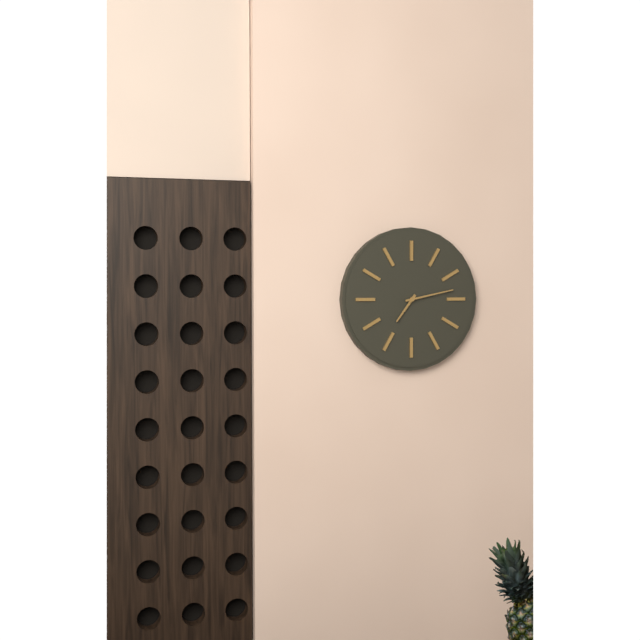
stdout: 7:13
